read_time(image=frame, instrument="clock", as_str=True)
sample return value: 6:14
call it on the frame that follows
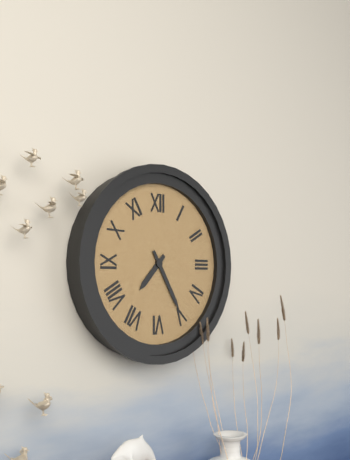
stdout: 7:25
